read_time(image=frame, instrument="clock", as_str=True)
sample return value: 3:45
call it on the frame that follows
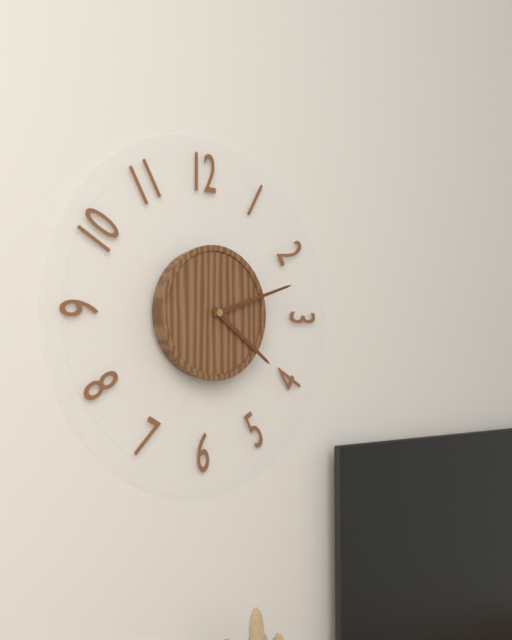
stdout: 4:12
